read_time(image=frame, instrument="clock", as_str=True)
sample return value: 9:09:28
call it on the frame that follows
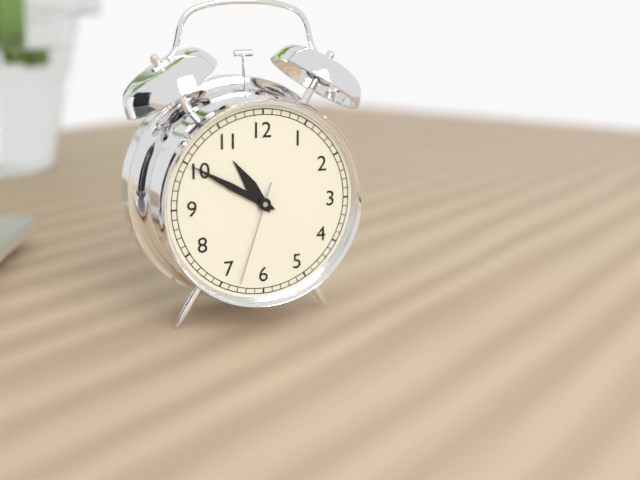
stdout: 10:50:33
